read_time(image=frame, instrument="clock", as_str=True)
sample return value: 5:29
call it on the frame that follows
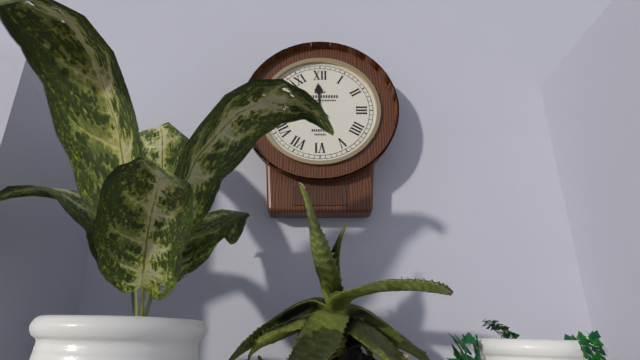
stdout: 11:53
